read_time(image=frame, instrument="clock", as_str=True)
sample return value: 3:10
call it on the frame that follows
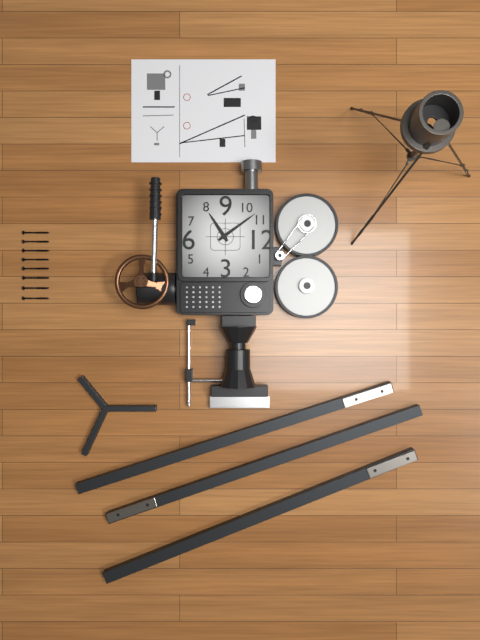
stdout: 7:54
